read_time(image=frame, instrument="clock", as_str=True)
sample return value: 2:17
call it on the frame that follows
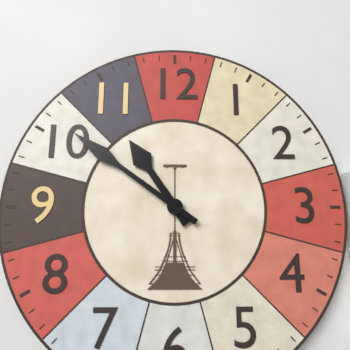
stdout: 10:51
